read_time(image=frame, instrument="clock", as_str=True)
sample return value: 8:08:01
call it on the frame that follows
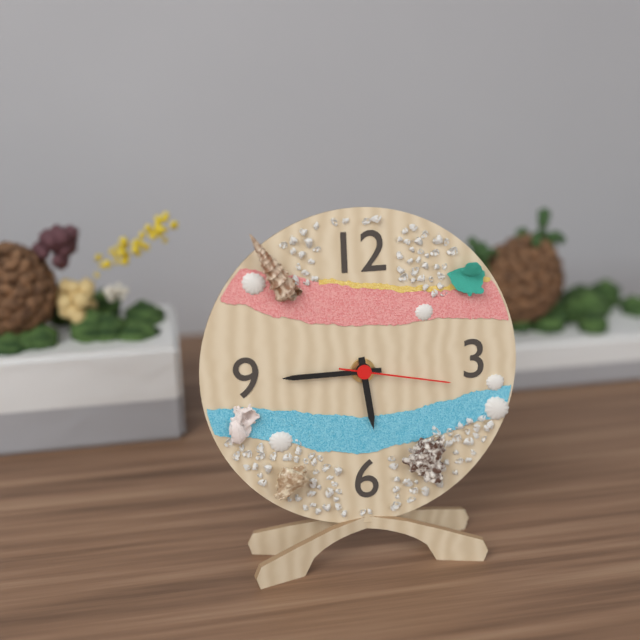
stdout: 5:45:17
